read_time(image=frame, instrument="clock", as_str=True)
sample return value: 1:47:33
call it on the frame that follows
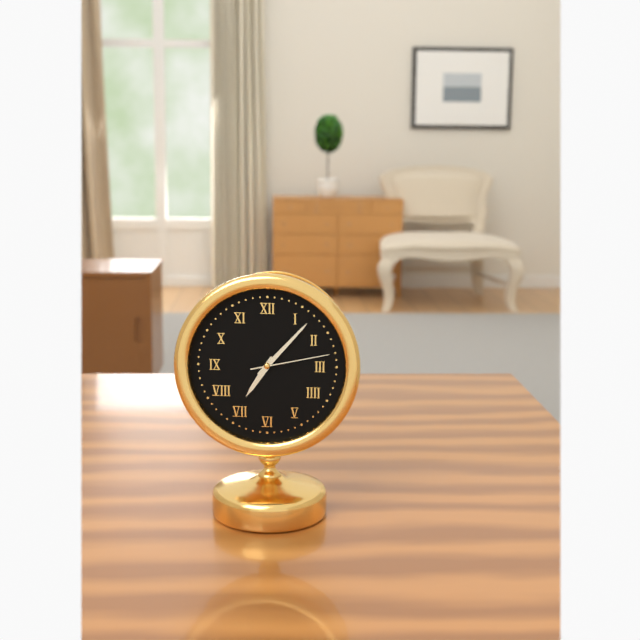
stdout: 7:07:13
